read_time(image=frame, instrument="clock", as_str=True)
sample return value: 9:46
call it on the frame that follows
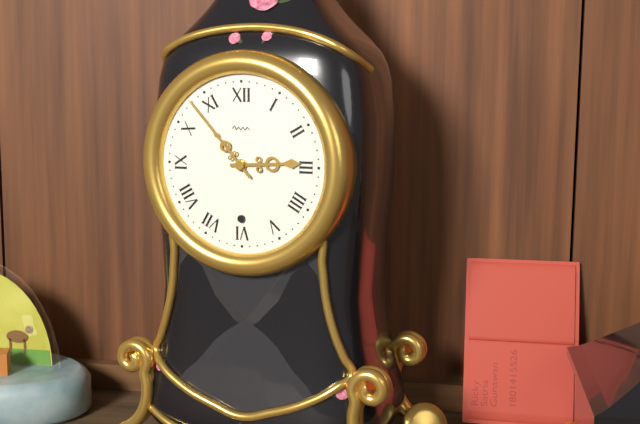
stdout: 2:53
